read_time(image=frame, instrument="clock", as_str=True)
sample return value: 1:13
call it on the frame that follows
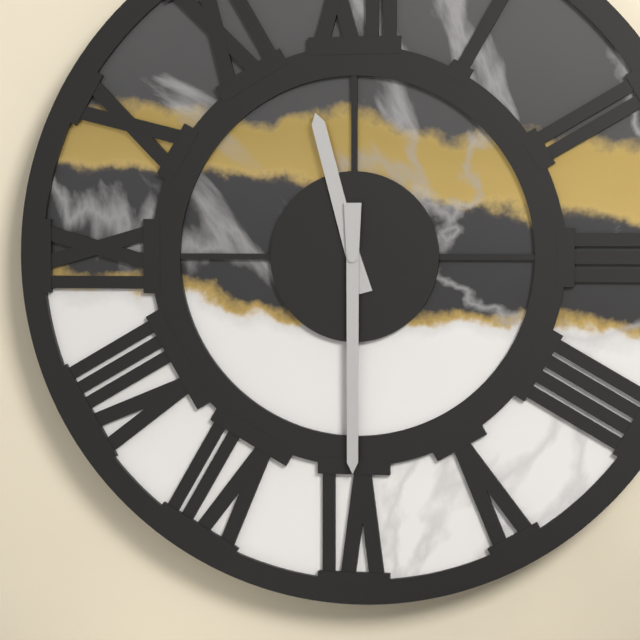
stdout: 11:30
